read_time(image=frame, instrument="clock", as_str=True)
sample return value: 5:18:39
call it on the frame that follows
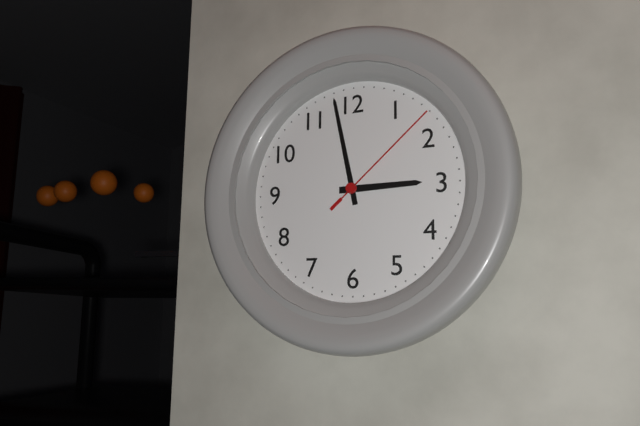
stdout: 2:58:08
